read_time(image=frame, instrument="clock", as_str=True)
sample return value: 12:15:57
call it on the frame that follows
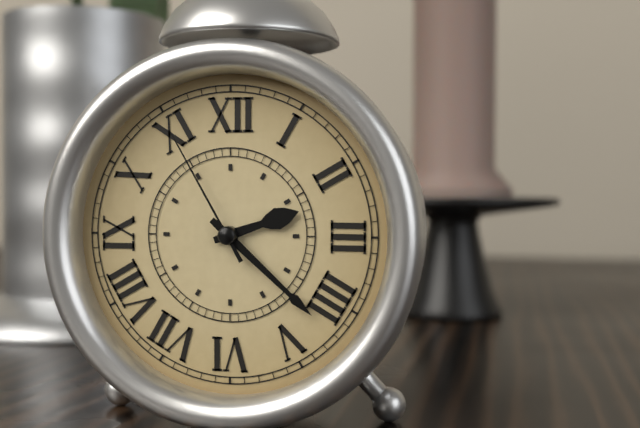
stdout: 2:22:55
